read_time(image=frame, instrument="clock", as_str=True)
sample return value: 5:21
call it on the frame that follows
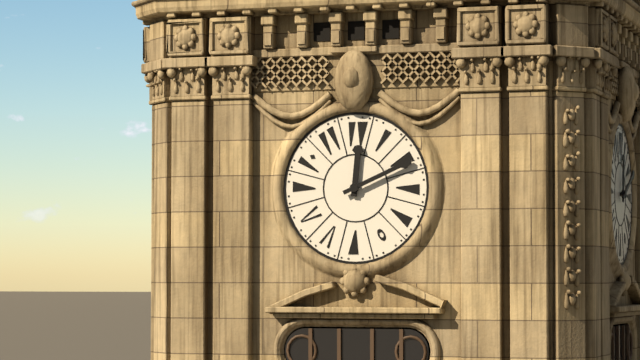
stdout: 12:11
